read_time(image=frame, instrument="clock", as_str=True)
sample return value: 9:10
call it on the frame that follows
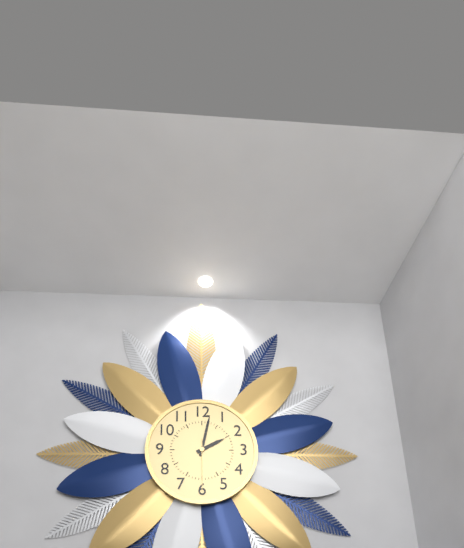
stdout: 2:02
